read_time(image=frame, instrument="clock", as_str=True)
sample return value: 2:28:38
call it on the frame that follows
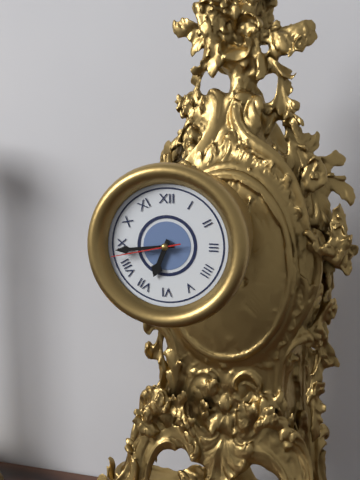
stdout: 6:44:43
